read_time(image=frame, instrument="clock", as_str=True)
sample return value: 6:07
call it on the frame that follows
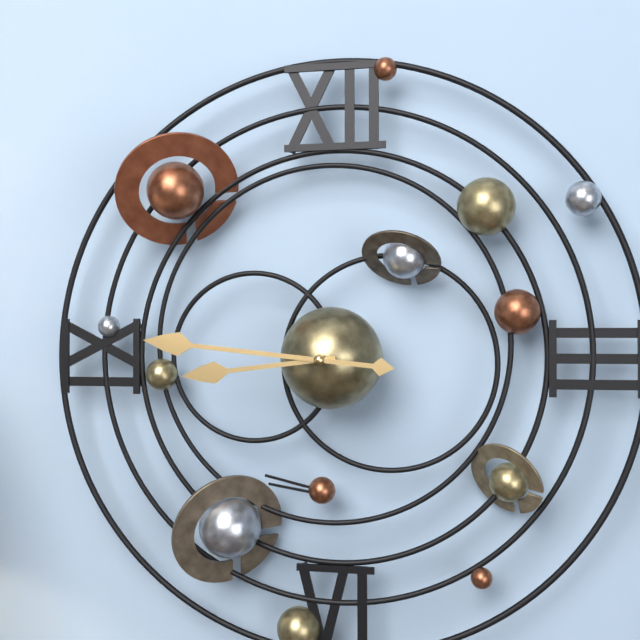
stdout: 8:46
